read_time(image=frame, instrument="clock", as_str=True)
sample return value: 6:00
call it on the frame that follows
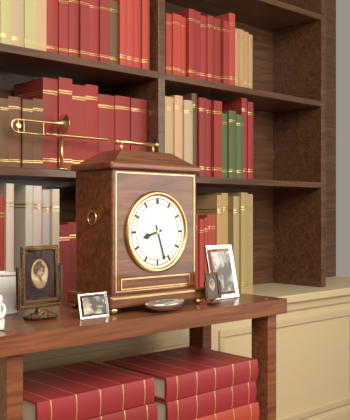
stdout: 8:27
